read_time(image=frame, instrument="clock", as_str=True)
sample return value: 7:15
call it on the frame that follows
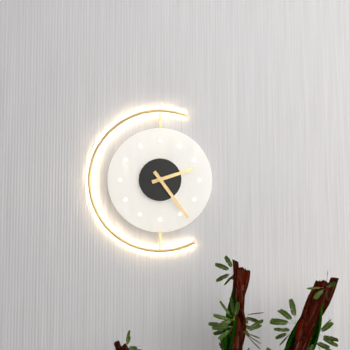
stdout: 2:24
